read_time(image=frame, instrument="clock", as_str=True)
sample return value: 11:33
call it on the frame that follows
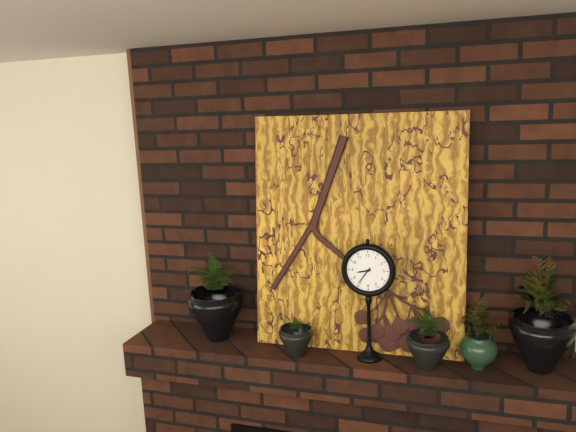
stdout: 8:36
